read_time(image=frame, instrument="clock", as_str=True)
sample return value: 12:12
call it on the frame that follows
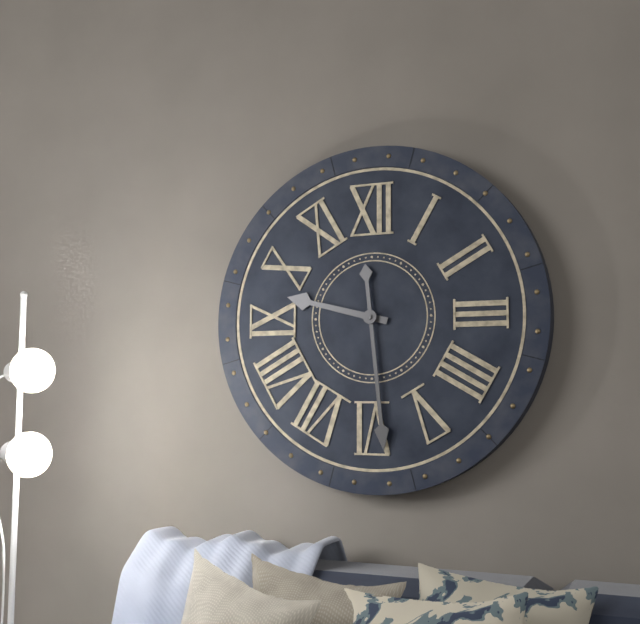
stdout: 9:29
